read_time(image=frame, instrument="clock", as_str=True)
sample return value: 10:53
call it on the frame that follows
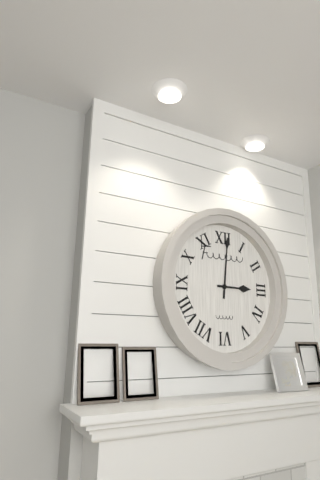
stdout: 3:01
